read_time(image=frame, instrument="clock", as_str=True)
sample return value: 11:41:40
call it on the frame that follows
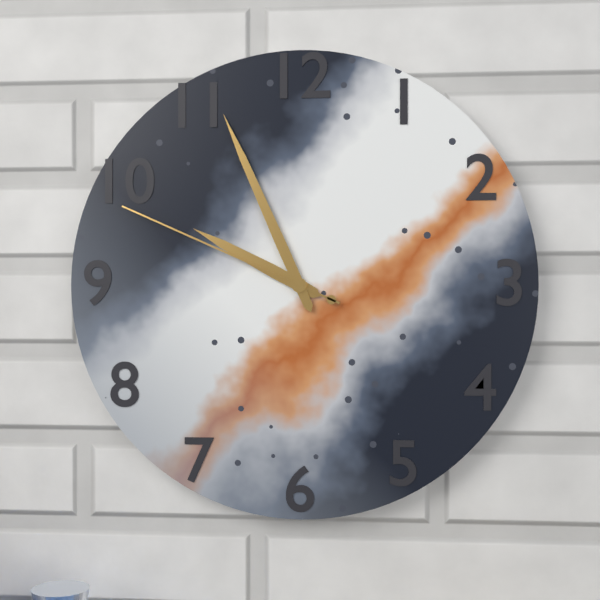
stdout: 9:56:49
